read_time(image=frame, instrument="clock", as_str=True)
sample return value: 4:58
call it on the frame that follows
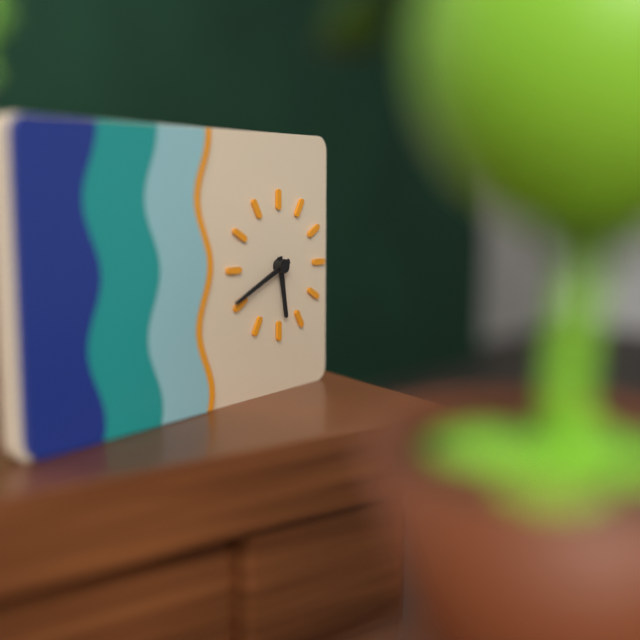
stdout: 5:41
